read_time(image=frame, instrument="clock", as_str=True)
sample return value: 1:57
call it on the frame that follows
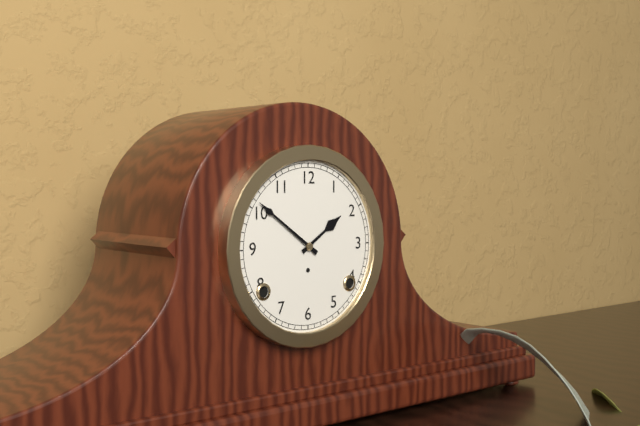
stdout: 1:51
